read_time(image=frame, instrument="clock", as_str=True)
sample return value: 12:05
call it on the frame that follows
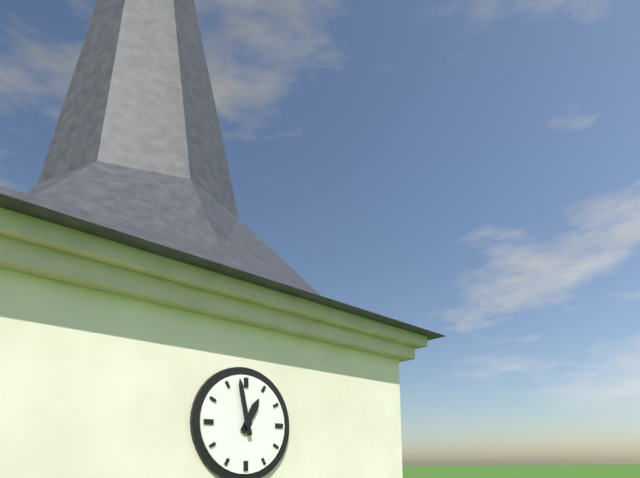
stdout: 12:58
